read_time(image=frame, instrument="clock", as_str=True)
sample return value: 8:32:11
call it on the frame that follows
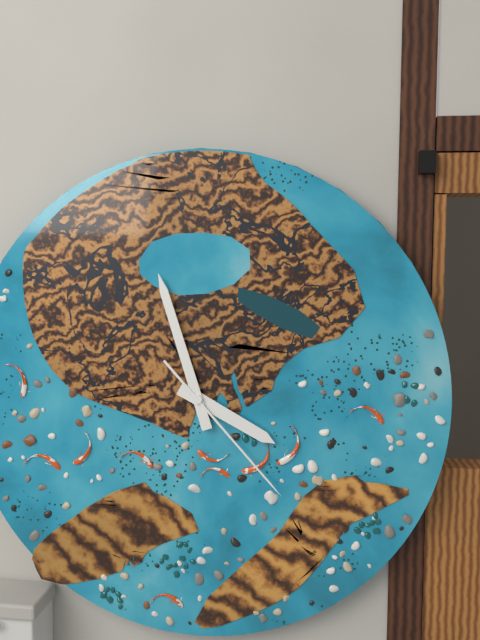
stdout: 3:57:23
